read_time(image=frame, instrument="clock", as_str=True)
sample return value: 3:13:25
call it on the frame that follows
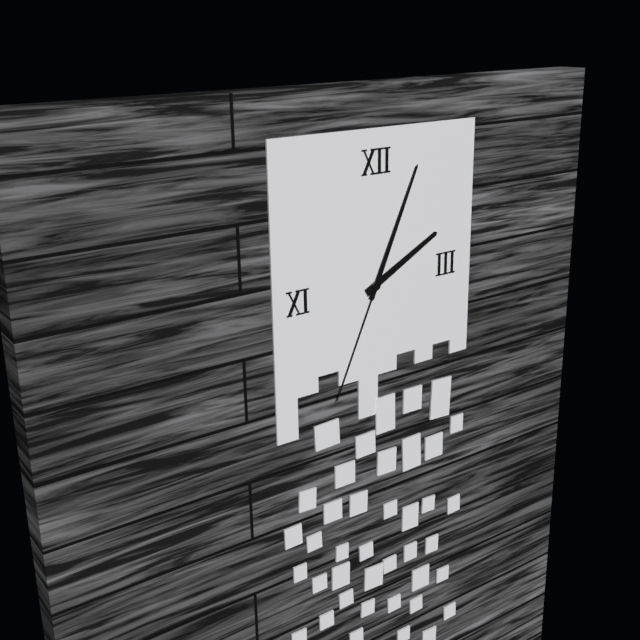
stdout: 2:04:34
